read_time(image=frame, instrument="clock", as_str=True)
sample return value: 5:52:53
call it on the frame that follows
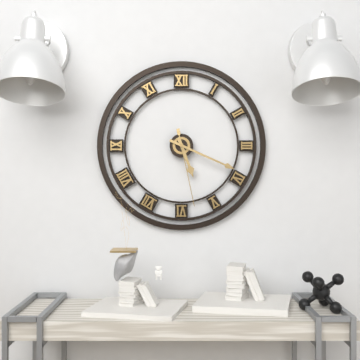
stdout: 5:19:28
